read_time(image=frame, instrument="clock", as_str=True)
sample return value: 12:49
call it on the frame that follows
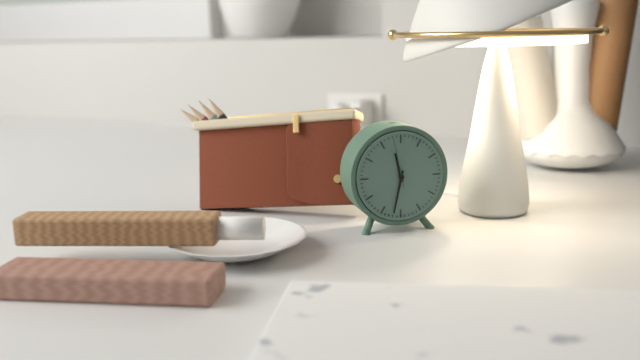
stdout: 11:32
